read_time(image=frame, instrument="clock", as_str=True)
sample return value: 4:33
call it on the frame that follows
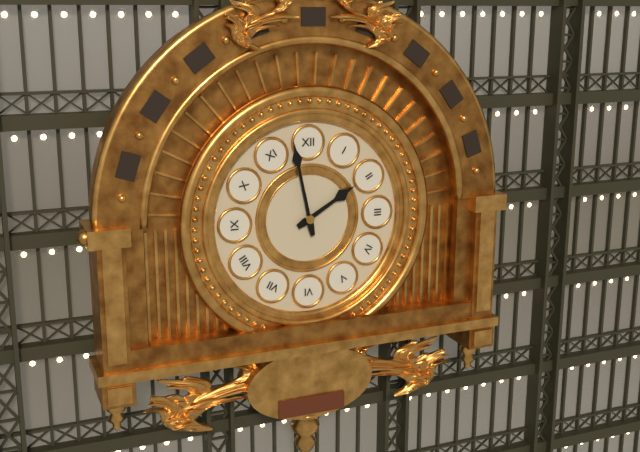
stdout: 1:58
